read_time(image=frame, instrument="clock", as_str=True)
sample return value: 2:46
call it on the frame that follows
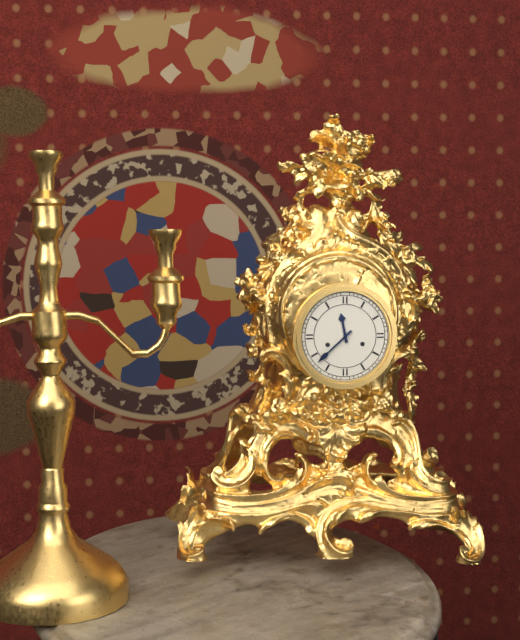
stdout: 11:38
